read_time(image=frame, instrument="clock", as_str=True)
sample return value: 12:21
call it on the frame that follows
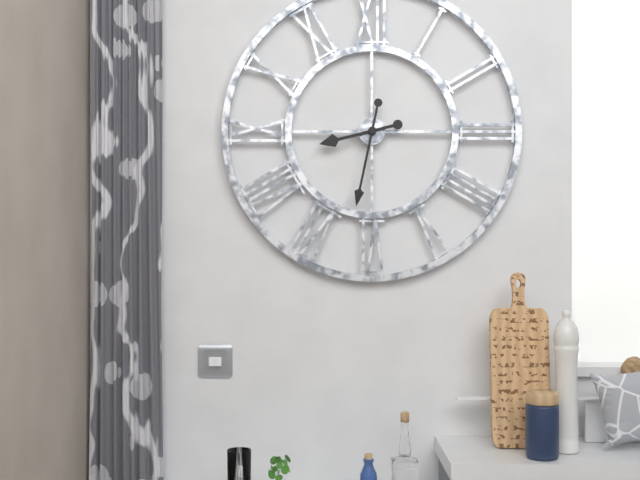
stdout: 8:32
